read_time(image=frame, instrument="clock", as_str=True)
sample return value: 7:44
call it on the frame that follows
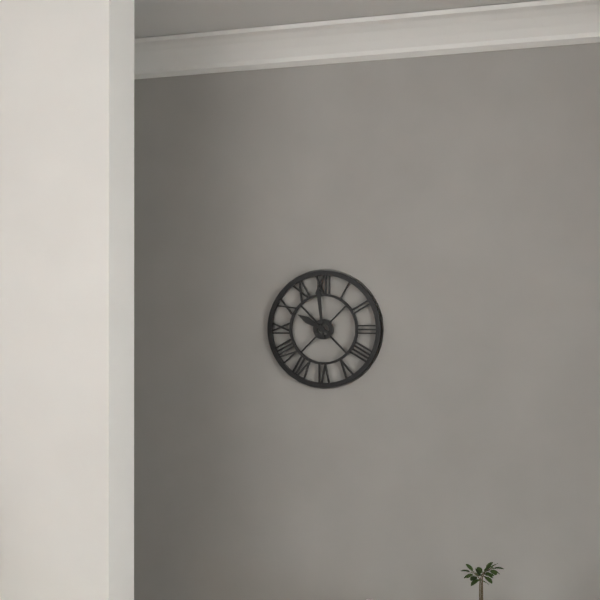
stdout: 9:59
